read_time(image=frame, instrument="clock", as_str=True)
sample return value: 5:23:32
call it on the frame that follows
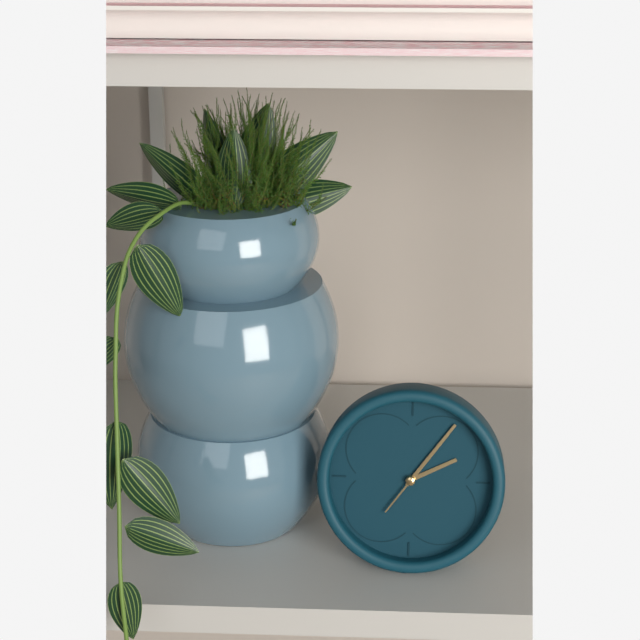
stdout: 2:06:36
